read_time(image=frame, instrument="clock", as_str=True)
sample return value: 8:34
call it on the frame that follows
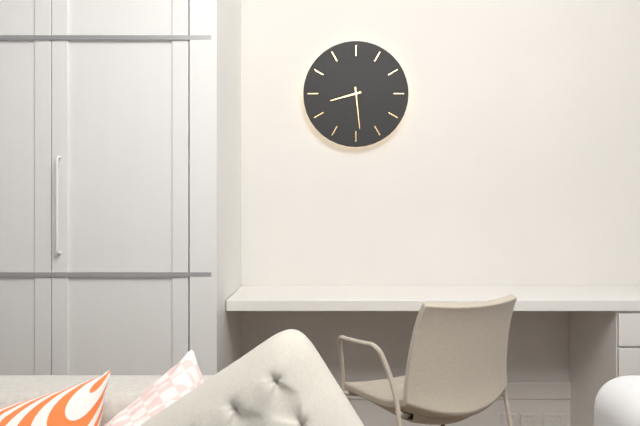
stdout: 8:29
